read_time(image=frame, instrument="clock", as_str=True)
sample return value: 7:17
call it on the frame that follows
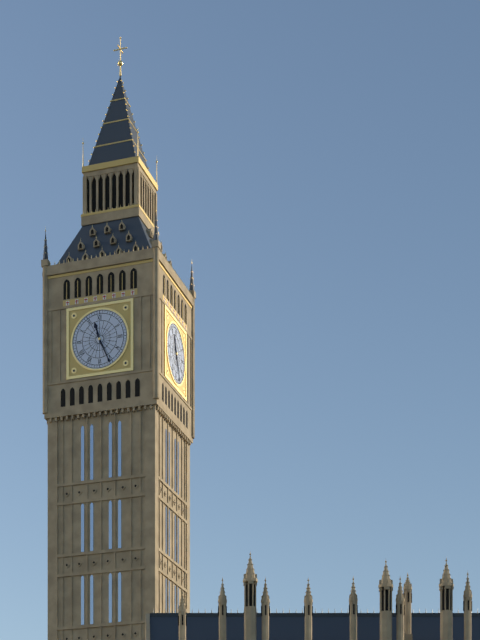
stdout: 11:26
